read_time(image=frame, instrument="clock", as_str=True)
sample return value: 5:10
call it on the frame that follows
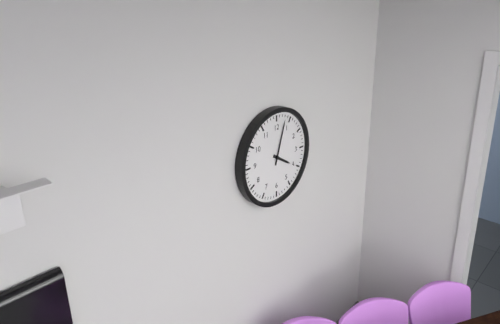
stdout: 4:03
